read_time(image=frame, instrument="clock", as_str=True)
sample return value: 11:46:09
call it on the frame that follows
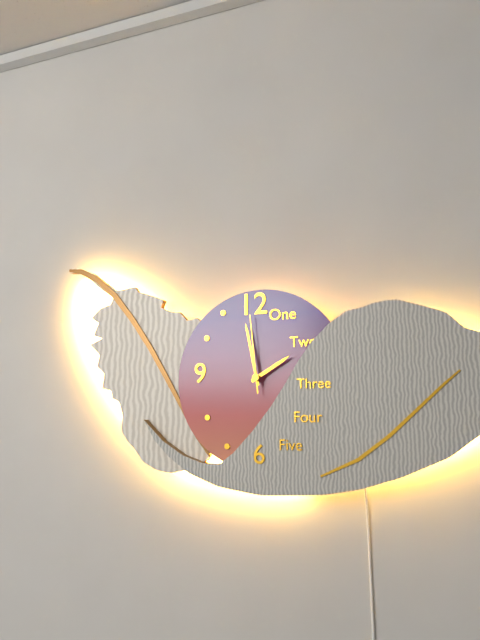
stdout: 1:58:59
